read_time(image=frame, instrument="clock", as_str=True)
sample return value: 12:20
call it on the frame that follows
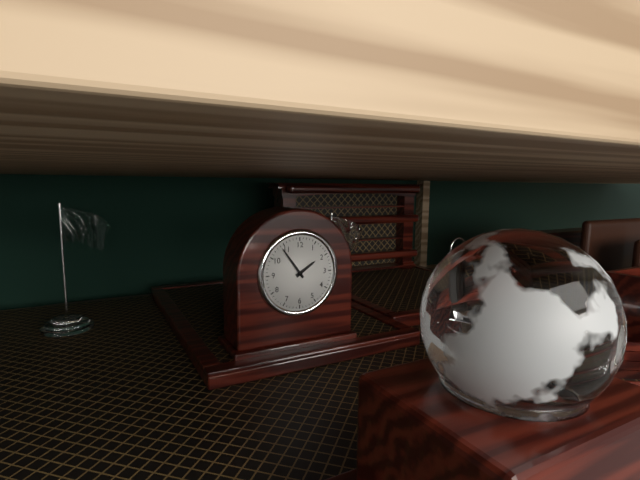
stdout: 1:54
